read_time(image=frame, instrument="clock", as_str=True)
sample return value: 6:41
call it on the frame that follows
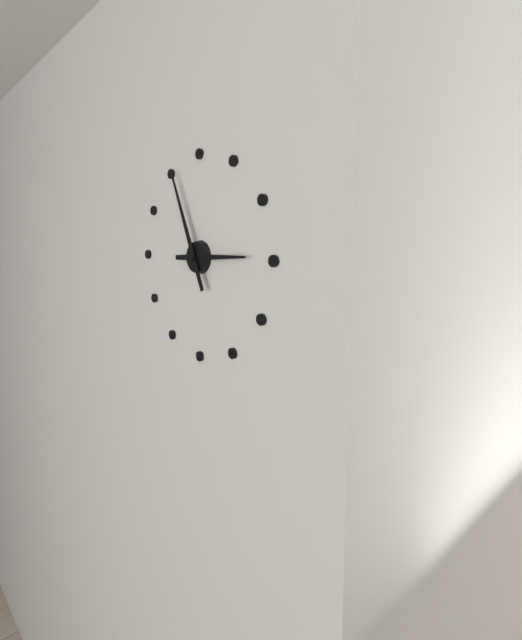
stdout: 2:56
